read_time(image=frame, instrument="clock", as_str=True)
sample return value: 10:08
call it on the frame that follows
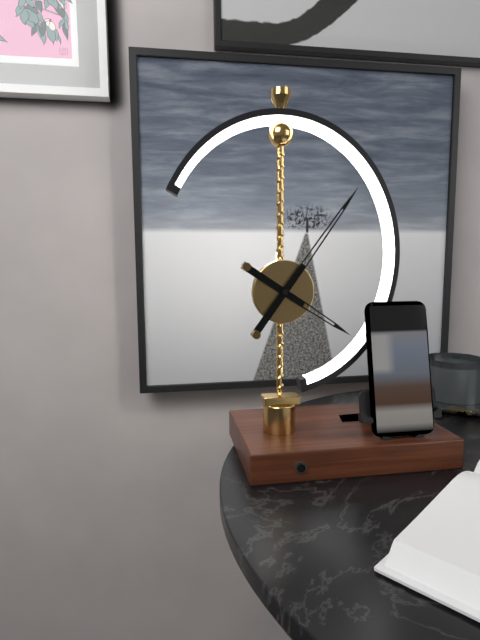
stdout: 4:06
